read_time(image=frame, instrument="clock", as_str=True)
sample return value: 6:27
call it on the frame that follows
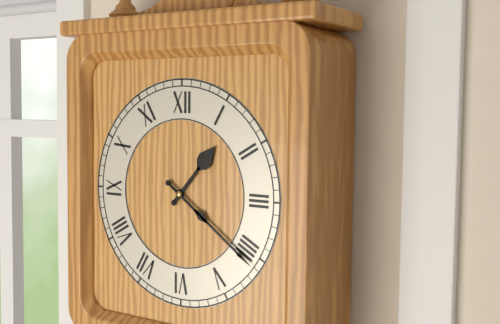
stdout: 1:21
